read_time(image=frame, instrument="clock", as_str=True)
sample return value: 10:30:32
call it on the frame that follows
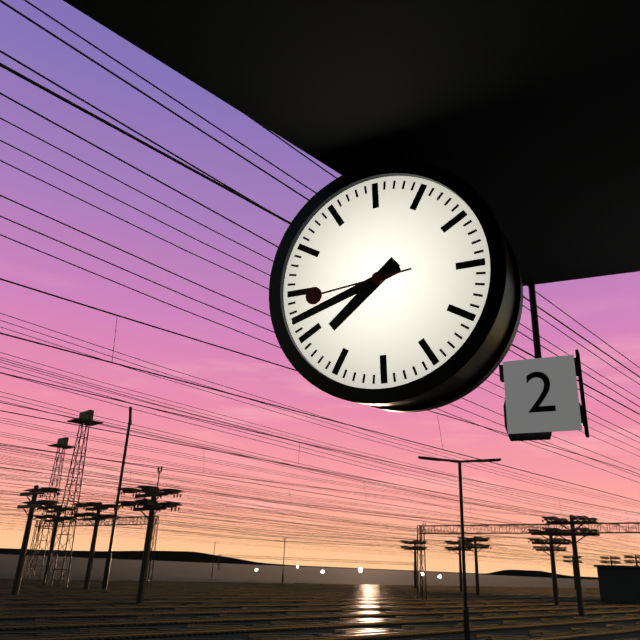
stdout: 7:42:44
